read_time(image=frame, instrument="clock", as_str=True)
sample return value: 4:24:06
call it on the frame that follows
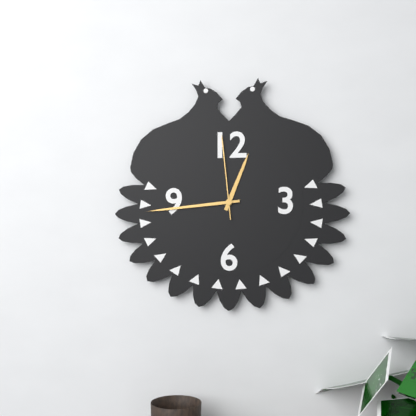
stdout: 12:44:59
